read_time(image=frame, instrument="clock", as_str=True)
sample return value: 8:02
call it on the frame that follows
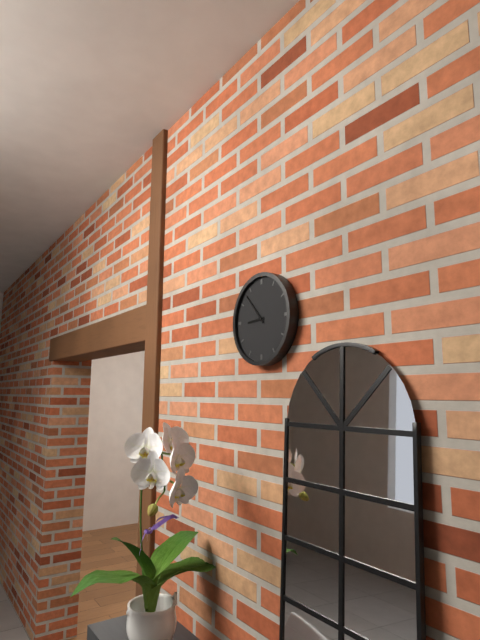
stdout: 8:53
